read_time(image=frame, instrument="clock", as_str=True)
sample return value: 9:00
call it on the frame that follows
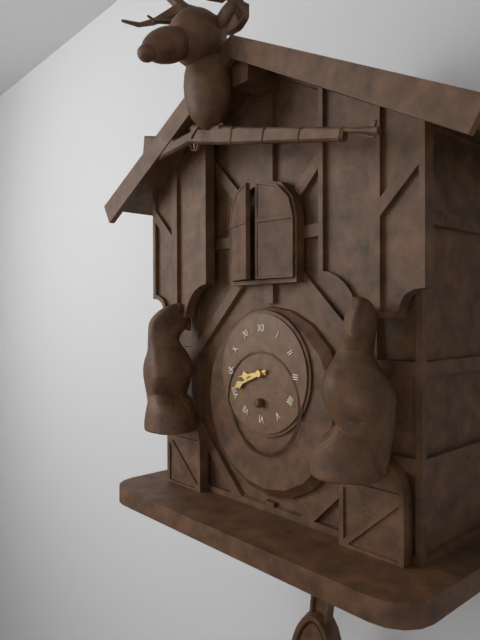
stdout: 8:41
